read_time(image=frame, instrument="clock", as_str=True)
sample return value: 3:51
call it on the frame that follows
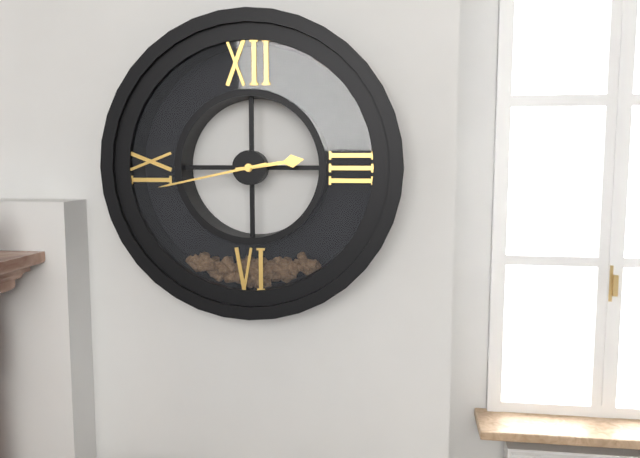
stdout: 2:43
